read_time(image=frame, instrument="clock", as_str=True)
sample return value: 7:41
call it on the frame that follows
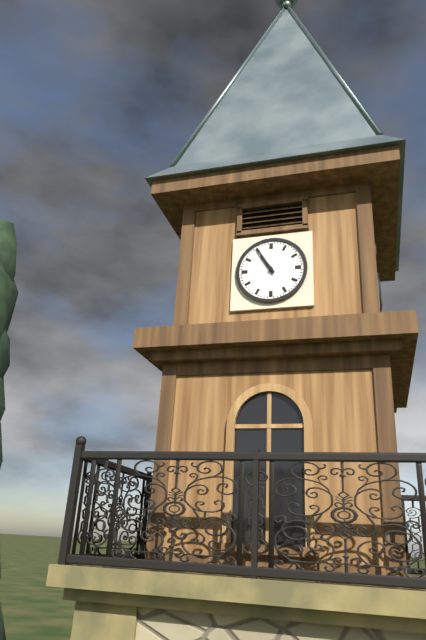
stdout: 10:55
